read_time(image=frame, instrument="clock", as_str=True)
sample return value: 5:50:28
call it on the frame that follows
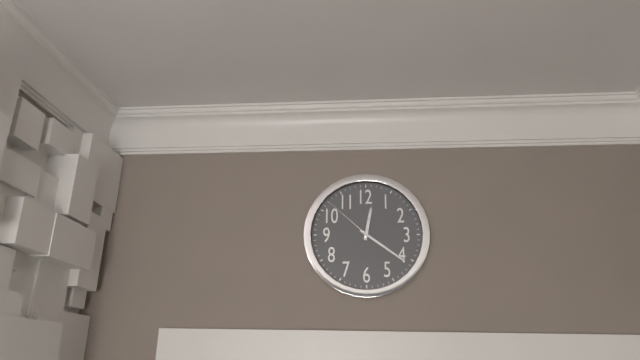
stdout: 12:21:52
